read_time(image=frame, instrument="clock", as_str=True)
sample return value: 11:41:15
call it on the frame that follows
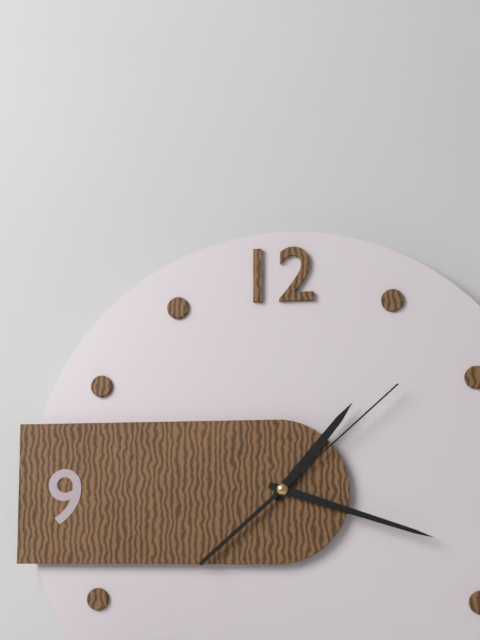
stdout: 1:18:08
